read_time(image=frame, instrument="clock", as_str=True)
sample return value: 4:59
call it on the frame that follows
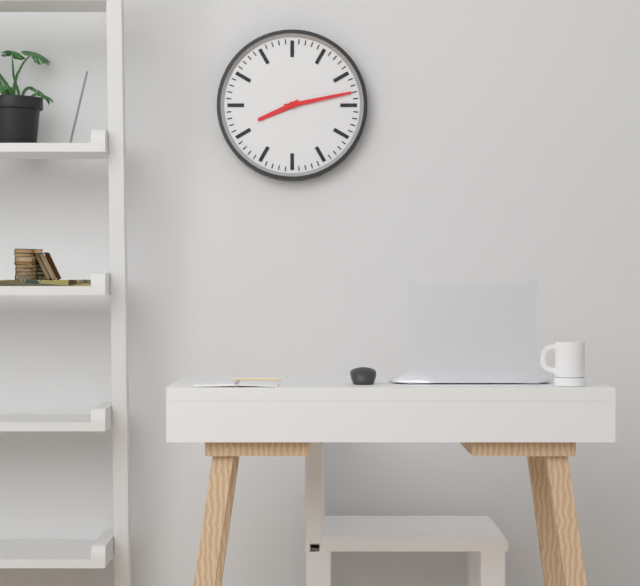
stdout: 8:13
